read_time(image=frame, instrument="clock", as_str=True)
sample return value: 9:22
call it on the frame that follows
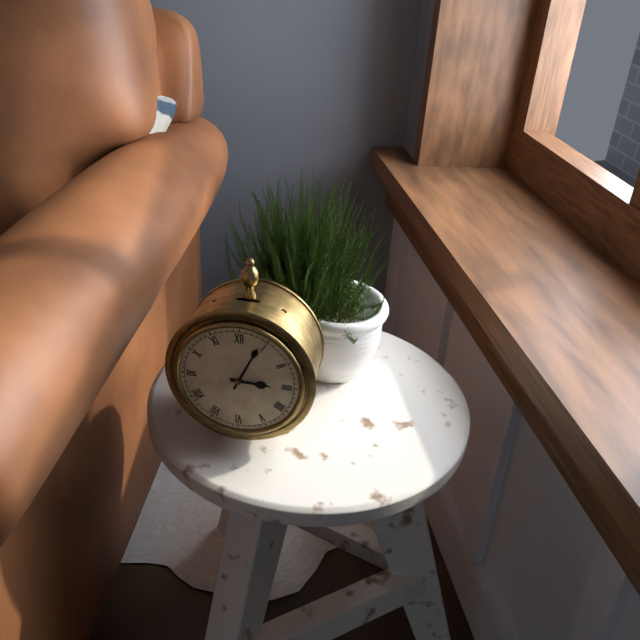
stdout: 3:04
